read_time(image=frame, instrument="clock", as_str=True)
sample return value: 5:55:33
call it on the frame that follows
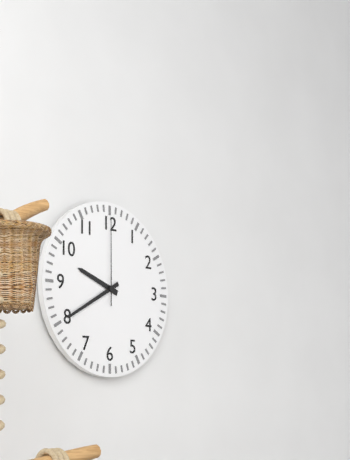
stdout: 9:40:00
